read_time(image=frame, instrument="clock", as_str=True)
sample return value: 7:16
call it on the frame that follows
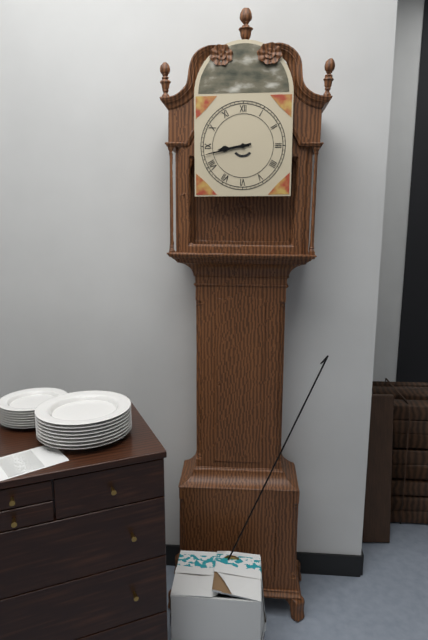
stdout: 8:43
